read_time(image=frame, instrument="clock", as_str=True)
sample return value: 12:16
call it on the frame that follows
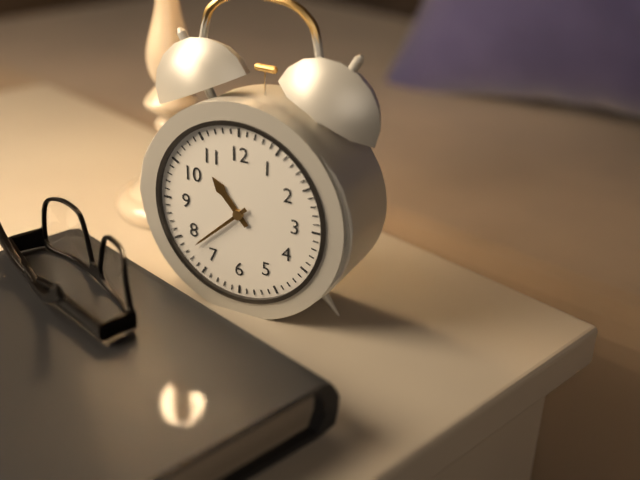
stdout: 10:38
